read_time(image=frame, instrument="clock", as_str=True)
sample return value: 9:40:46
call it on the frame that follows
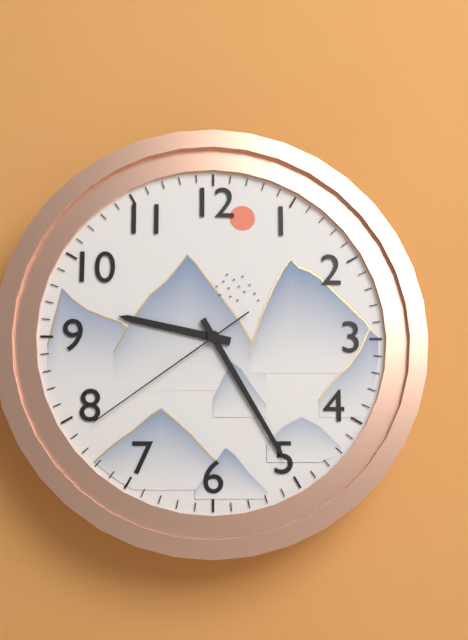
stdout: 9:25:39
